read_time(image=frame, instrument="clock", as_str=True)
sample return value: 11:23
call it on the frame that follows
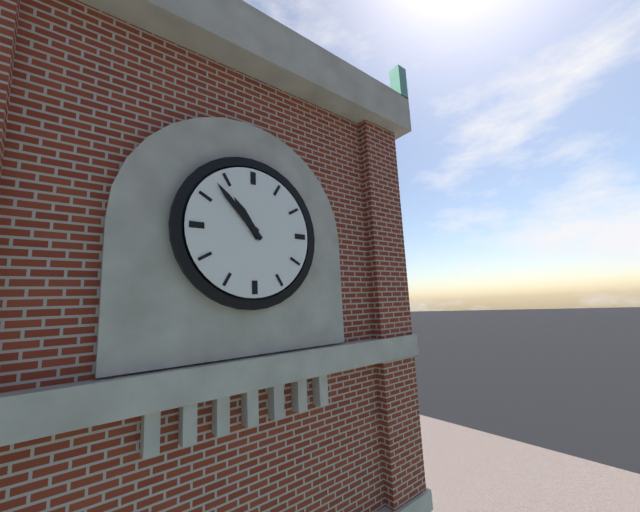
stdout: 10:53
